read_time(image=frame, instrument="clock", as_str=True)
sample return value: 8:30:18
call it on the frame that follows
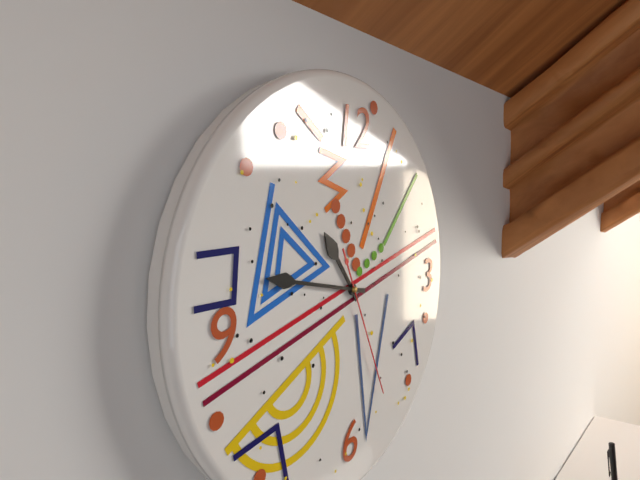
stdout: 10:47:26
